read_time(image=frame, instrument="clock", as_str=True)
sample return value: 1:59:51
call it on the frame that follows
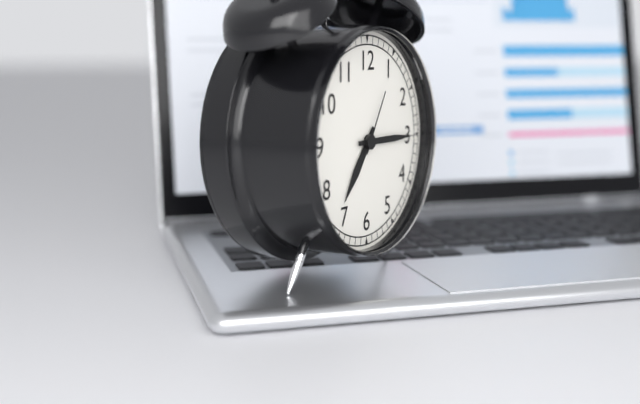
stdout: 7:15:05
